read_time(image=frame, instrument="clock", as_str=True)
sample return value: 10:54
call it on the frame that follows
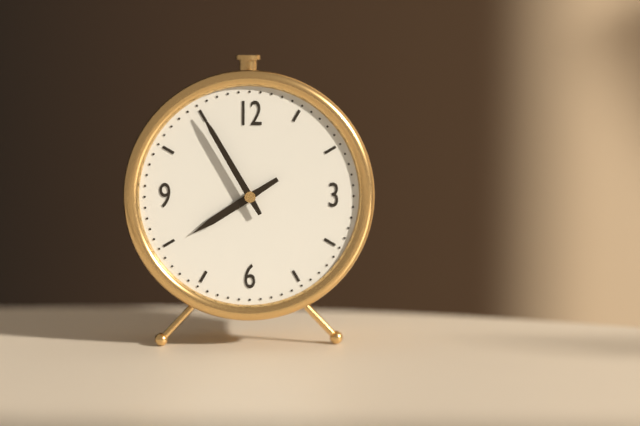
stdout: 7:55
